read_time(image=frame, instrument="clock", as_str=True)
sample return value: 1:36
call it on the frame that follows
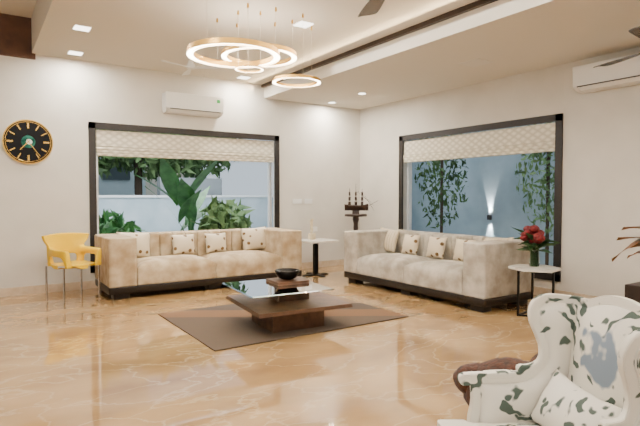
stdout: 7:24
